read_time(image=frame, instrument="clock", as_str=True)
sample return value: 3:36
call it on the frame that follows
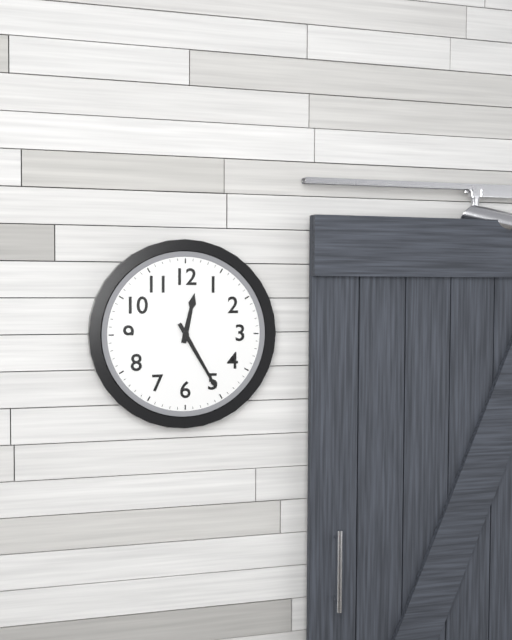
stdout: 12:25
